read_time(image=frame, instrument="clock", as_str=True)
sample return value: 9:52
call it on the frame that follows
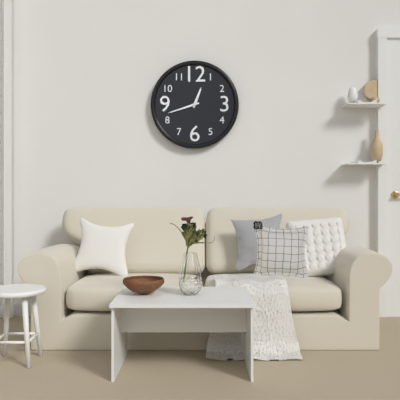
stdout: 12:42
